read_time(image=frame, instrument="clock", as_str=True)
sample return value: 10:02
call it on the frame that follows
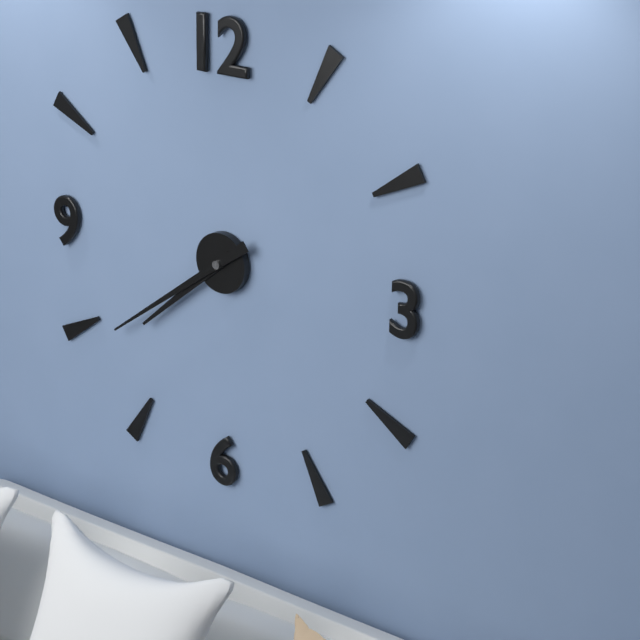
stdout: 7:39
